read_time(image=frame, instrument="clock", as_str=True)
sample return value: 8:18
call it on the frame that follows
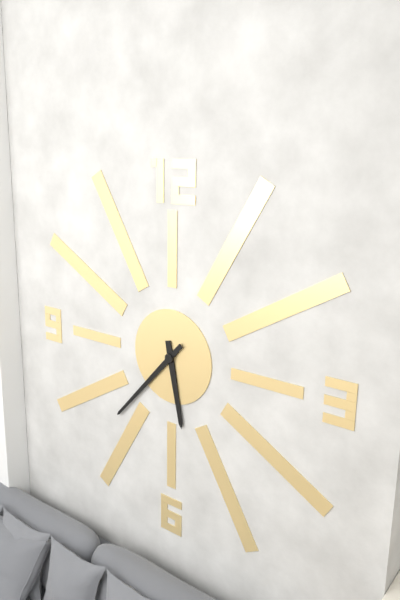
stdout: 5:37
